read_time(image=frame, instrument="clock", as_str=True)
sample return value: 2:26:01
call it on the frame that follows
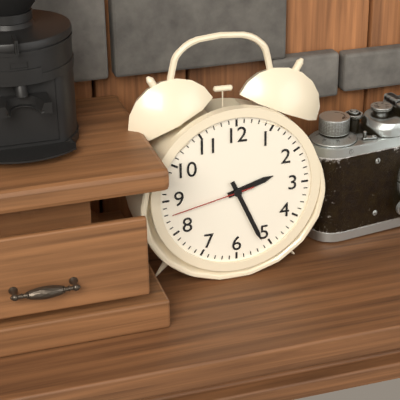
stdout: 2:26:43
